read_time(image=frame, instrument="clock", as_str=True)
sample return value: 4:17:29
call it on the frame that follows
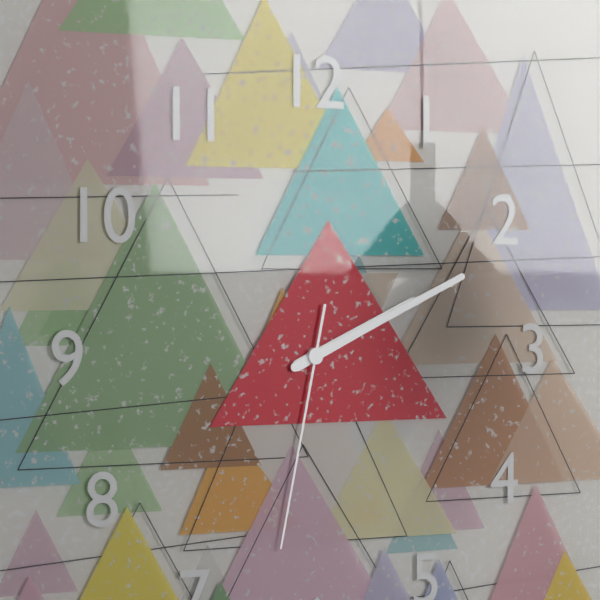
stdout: 2:11:32
